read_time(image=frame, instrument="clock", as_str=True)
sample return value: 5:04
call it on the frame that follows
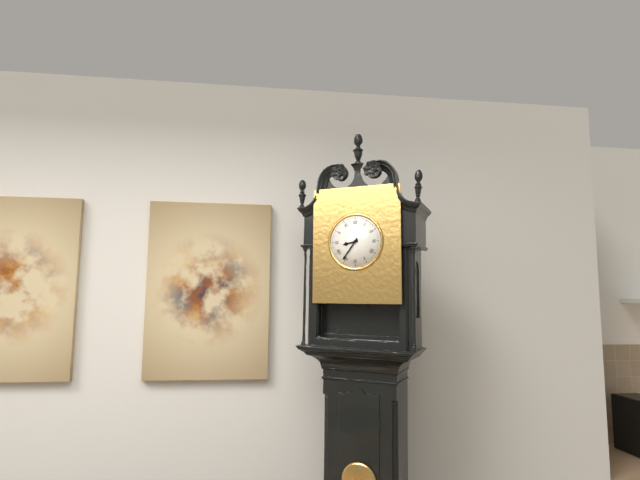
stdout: 8:36
